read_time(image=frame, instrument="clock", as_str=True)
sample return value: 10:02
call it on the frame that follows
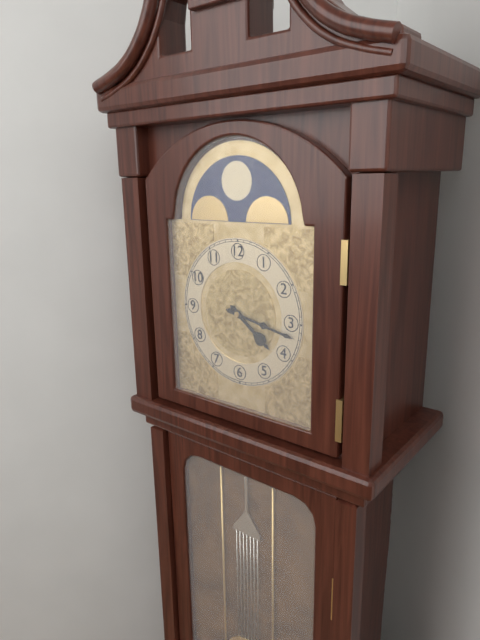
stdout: 4:17
